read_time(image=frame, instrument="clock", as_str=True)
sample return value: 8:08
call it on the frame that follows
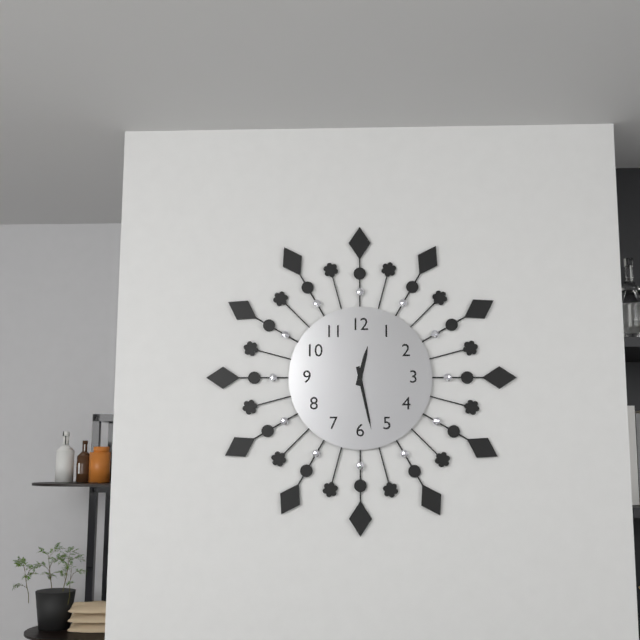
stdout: 12:28
